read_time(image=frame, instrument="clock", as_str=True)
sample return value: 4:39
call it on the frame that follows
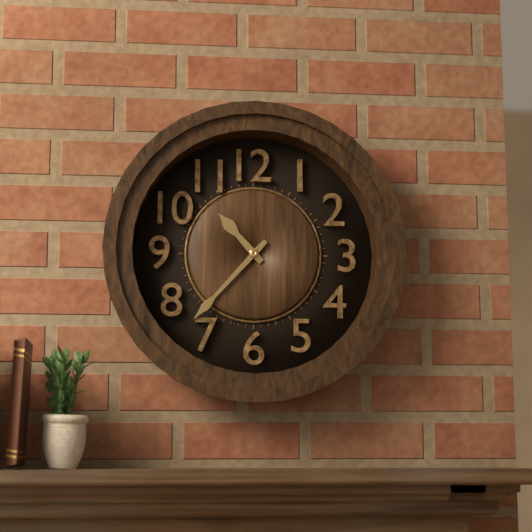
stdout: 10:37
